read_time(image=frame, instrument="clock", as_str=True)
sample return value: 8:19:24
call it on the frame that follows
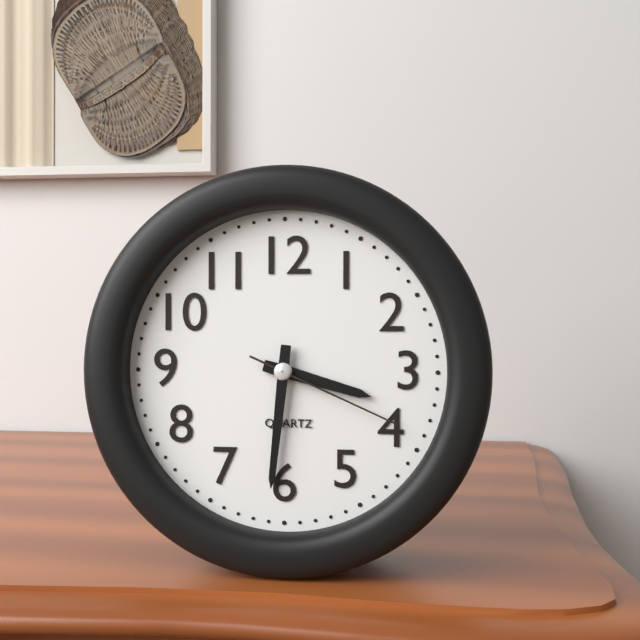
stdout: 3:31:19
